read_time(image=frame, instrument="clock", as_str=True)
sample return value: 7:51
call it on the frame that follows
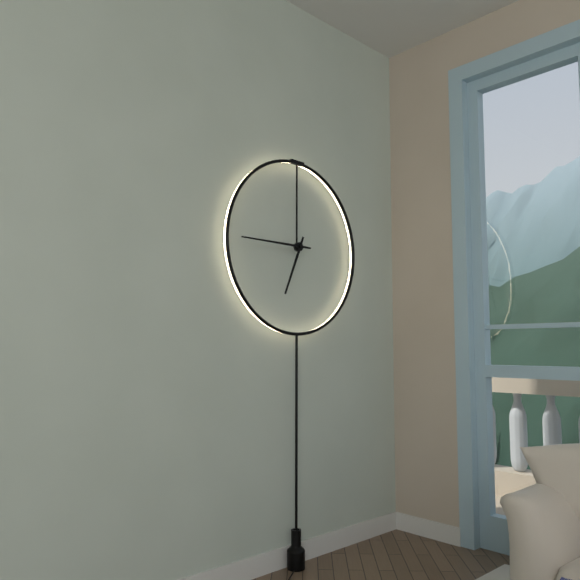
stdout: 6:45
